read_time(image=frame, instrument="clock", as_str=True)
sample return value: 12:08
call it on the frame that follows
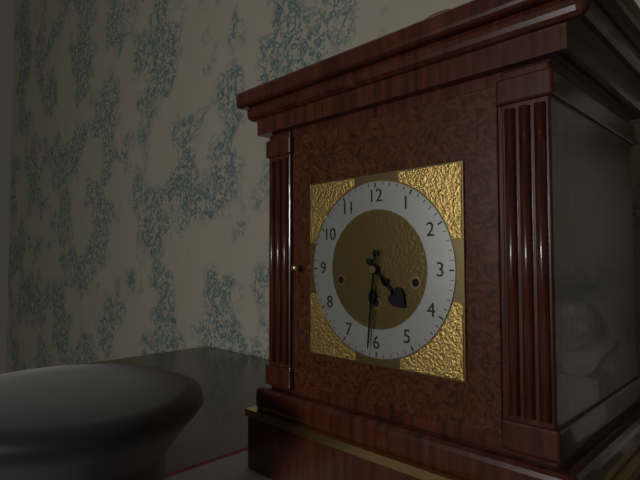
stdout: 4:31
